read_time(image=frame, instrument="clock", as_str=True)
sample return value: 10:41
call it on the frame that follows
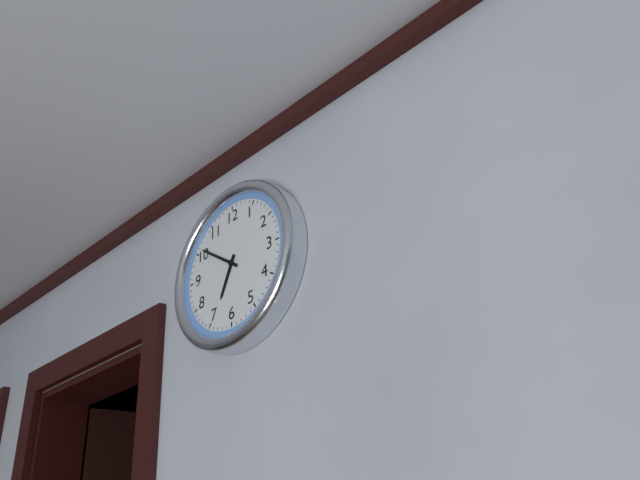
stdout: 6:51
